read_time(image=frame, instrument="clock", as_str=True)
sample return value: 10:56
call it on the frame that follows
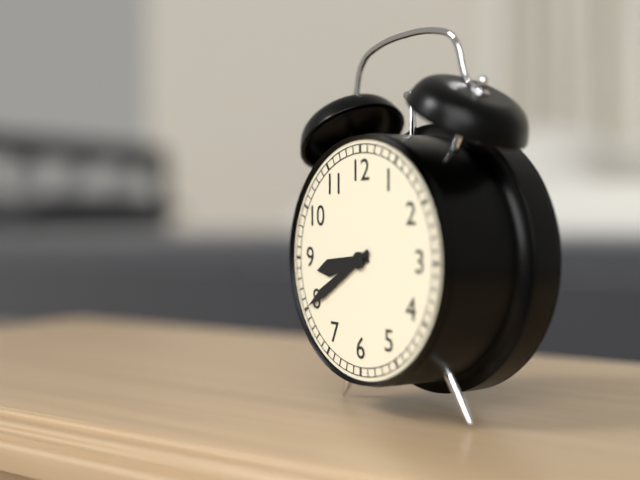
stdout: 8:40
